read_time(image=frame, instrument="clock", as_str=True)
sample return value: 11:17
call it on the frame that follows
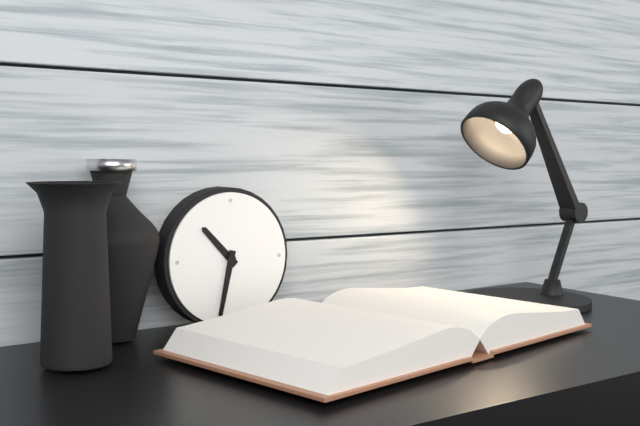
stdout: 10:32
